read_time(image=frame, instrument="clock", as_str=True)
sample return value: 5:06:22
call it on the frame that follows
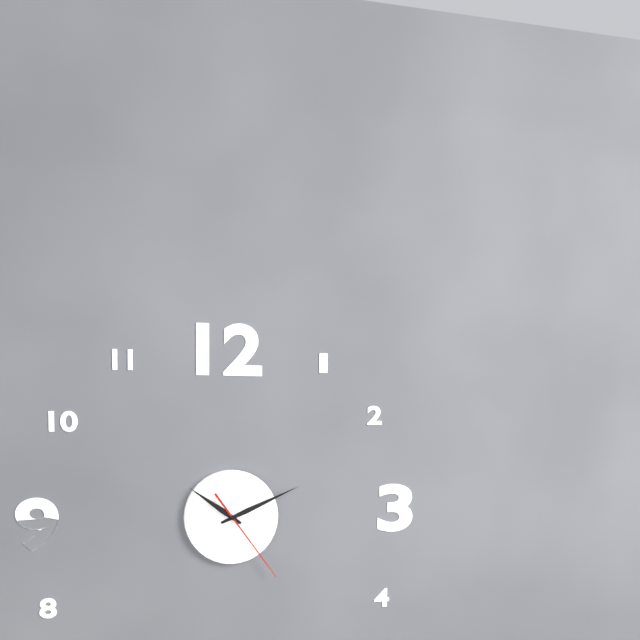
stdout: 10:11:24
